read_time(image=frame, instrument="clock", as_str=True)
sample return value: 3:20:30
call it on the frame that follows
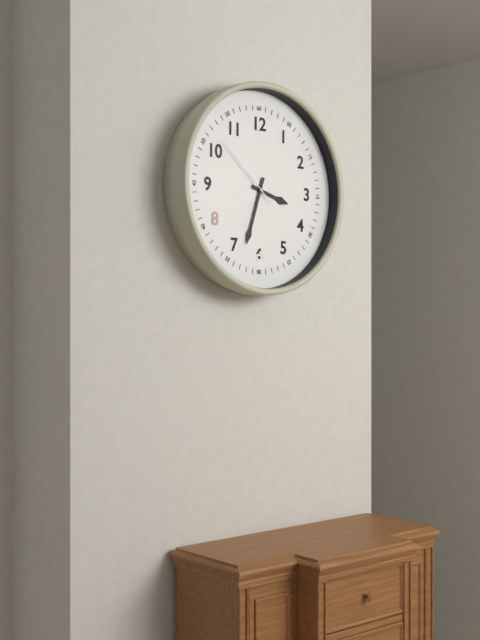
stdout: 3:33:52
